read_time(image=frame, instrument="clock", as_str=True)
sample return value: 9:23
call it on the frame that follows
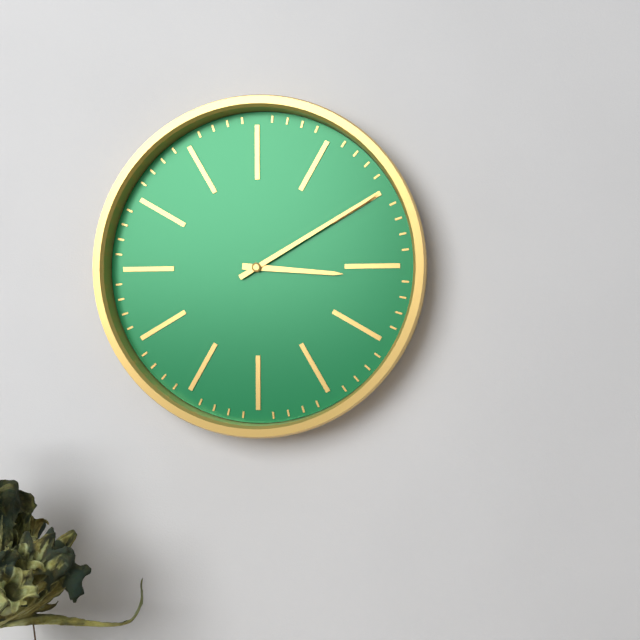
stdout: 3:10
